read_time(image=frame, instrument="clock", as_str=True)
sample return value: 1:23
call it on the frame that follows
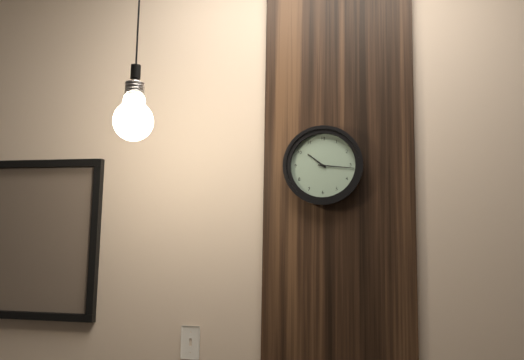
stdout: 10:16
